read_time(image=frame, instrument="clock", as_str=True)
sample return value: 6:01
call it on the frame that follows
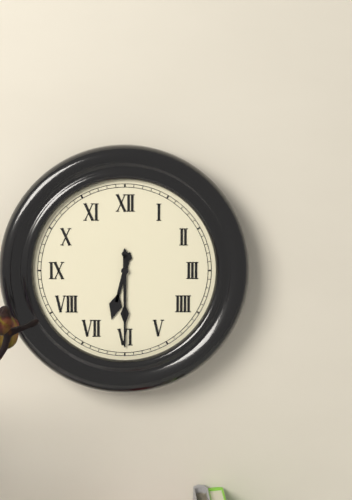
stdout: 6:30
